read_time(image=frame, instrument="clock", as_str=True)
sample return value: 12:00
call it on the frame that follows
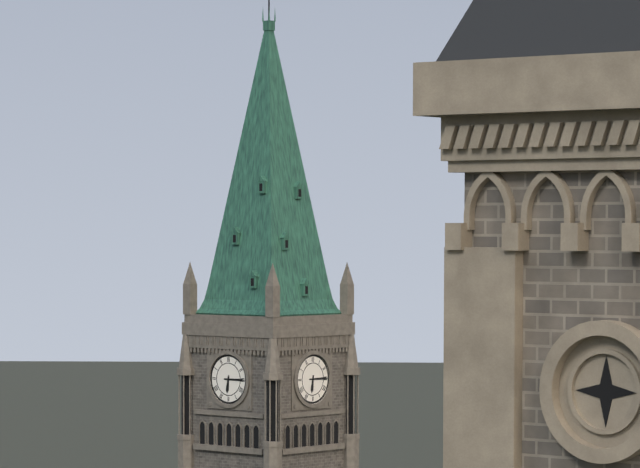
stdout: 6:15
